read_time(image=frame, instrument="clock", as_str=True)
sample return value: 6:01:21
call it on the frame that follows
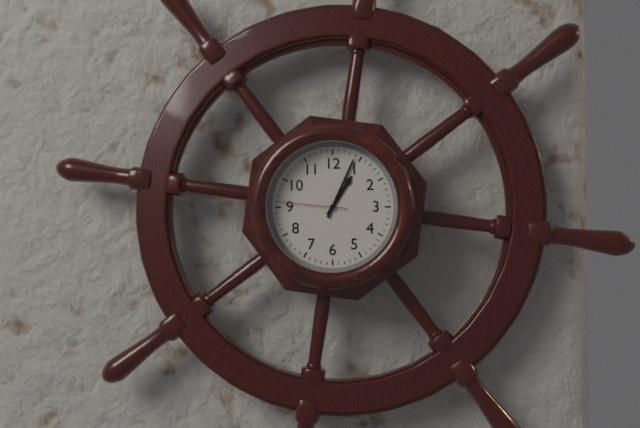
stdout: 1:04:46
